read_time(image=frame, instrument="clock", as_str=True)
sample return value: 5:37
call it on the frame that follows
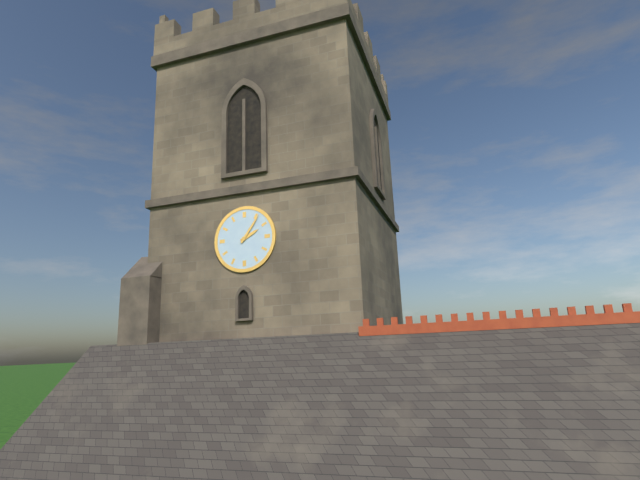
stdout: 2:06
